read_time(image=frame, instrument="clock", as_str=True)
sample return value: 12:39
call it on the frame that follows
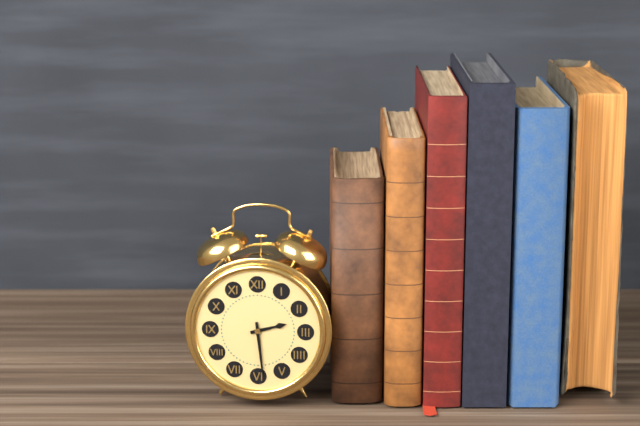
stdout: 2:29
